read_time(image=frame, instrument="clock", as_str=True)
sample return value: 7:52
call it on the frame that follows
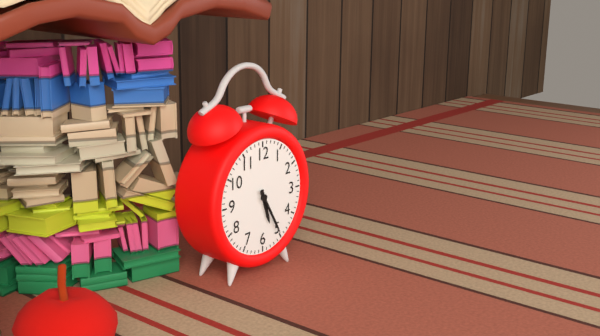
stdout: 5:25
